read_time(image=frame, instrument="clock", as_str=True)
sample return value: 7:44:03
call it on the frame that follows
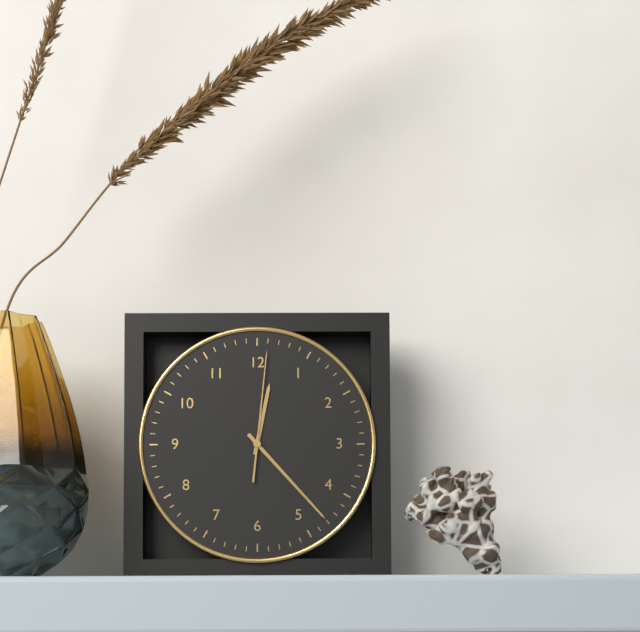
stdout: 12:23:01
